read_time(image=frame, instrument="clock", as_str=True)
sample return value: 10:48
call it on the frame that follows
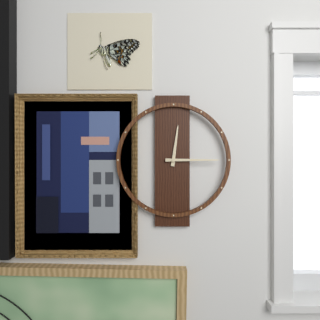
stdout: 12:15
